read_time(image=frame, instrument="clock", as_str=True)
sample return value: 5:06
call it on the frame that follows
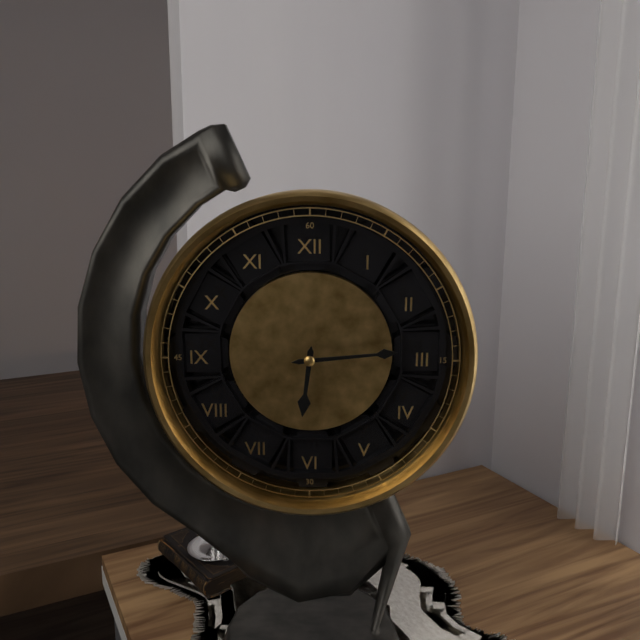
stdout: 6:14
